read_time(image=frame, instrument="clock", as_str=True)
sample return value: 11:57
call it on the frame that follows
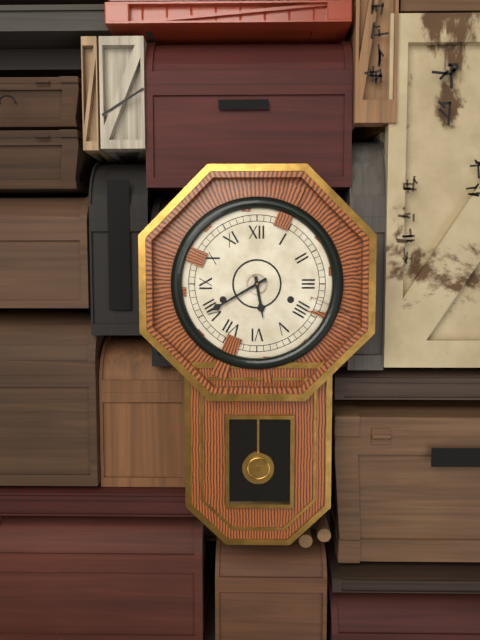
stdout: 5:40
